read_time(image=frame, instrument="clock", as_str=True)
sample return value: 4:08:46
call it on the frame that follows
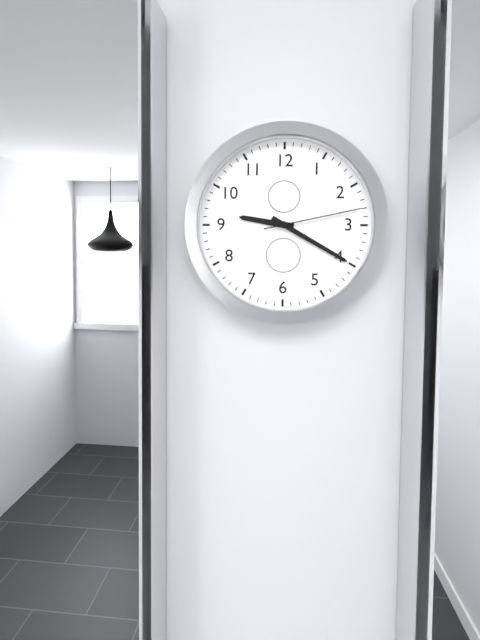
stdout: 9:20:13
